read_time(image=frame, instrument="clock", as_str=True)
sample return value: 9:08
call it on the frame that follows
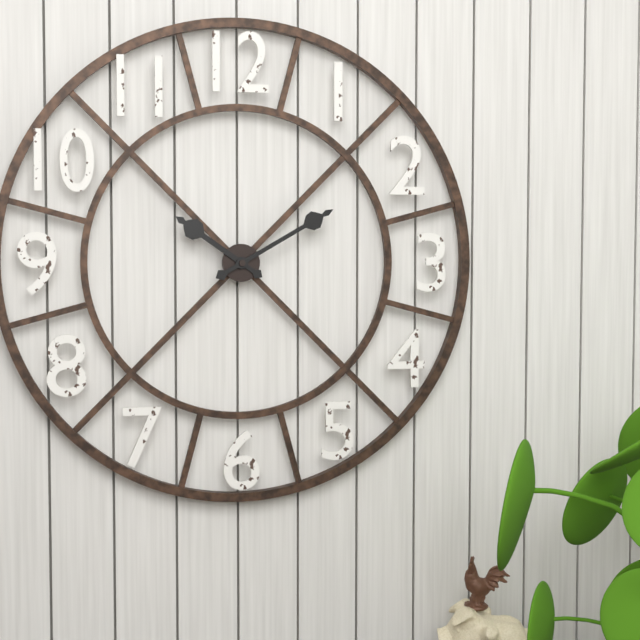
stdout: 10:10
